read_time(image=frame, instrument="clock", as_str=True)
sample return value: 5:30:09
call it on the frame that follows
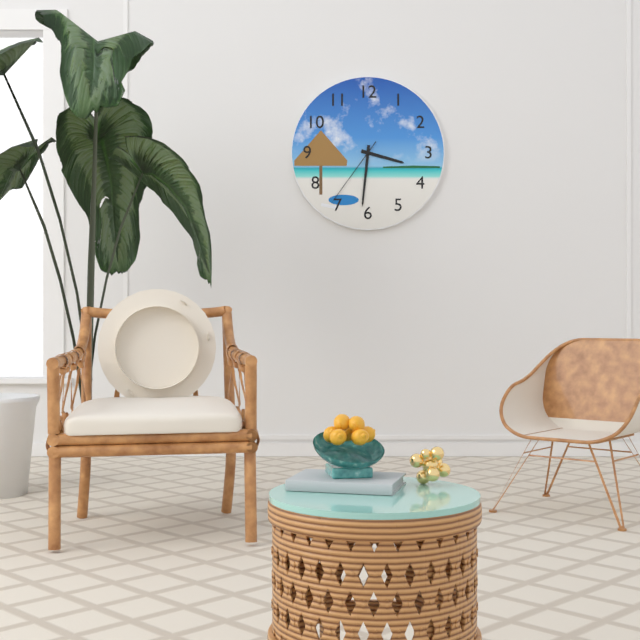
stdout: 3:31:36
